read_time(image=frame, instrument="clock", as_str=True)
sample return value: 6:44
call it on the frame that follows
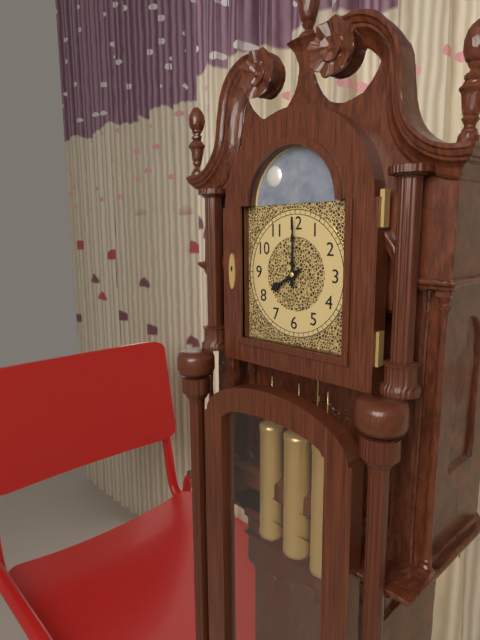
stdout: 8:00
